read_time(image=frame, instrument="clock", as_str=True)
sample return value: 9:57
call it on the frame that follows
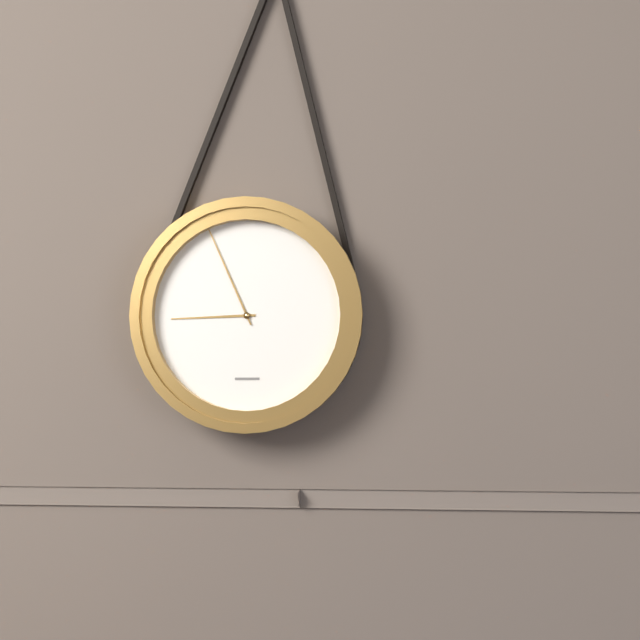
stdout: 8:56
